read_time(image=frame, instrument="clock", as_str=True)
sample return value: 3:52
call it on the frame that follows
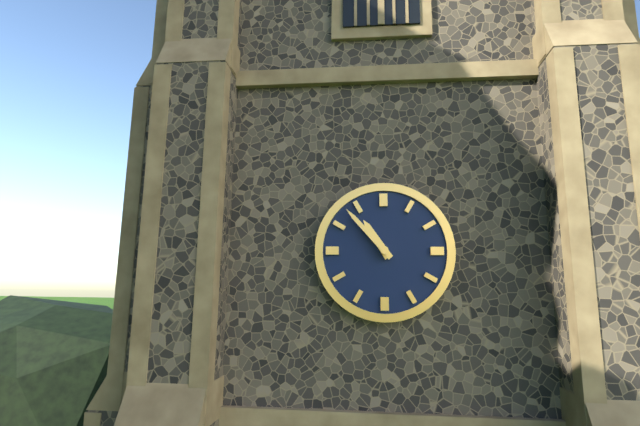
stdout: 10:53
